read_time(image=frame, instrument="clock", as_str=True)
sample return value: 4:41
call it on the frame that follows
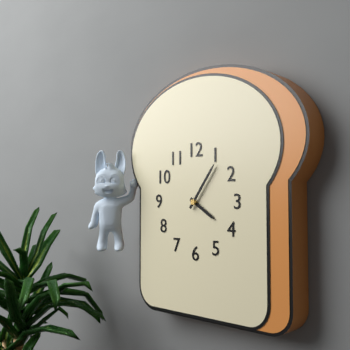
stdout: 4:06
